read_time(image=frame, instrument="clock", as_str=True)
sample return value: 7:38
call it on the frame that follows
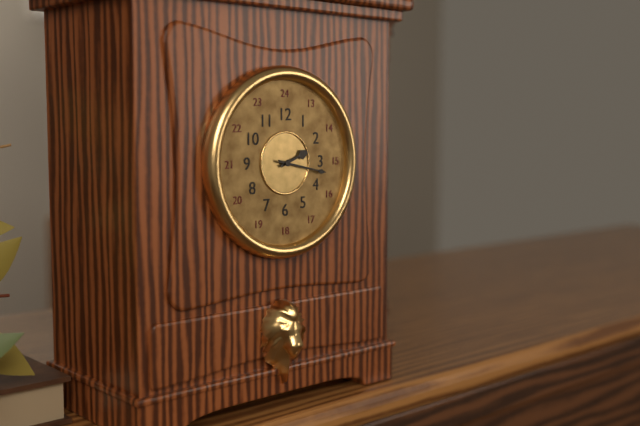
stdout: 2:17
